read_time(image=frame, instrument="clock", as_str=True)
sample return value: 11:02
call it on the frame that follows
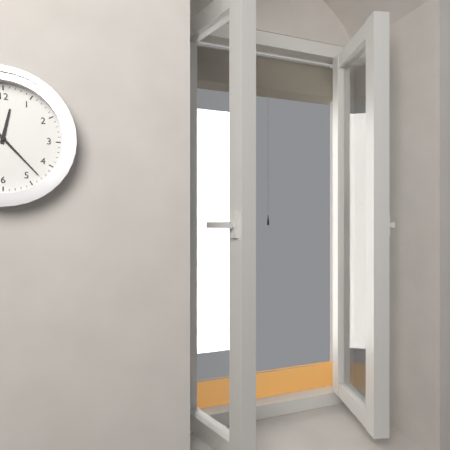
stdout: 12:23
